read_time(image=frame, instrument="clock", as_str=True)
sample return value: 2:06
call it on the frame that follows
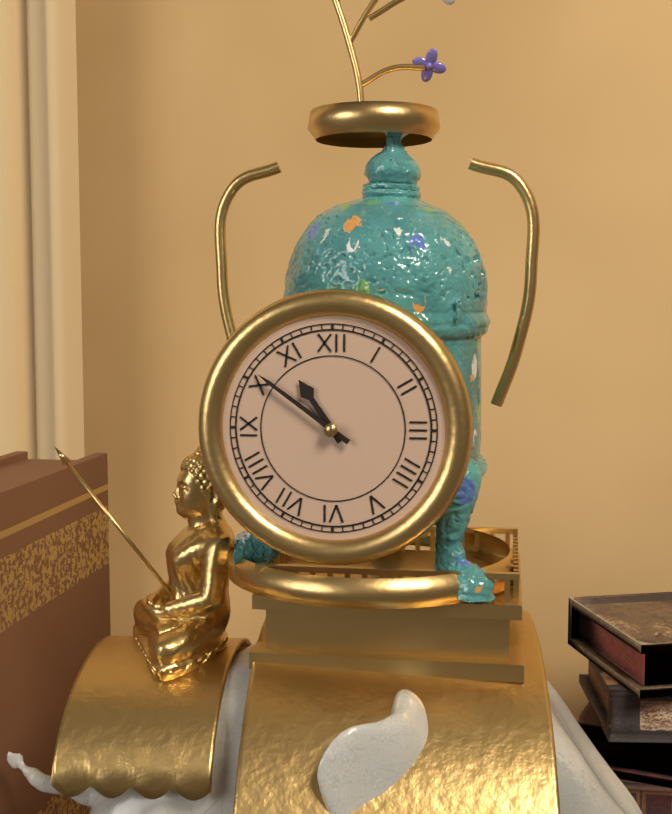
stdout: 10:51
